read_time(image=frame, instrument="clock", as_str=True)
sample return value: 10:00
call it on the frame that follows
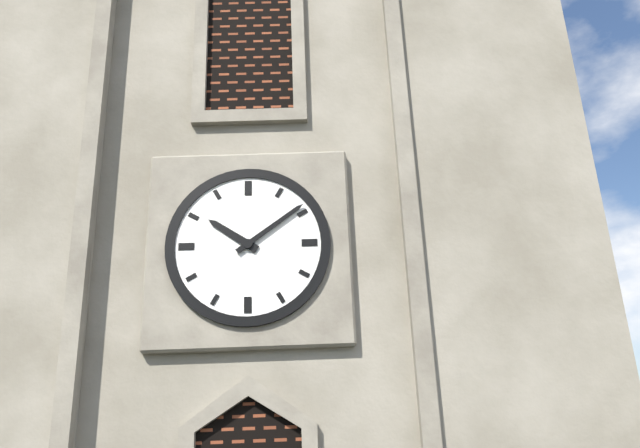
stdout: 10:09
